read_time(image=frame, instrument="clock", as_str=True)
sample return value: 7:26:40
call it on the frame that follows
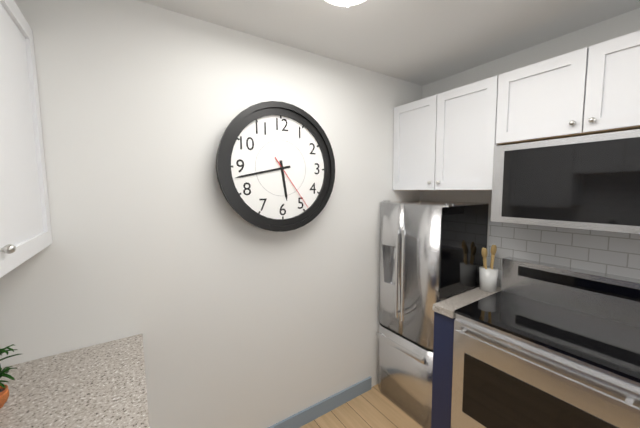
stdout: 5:43:24
